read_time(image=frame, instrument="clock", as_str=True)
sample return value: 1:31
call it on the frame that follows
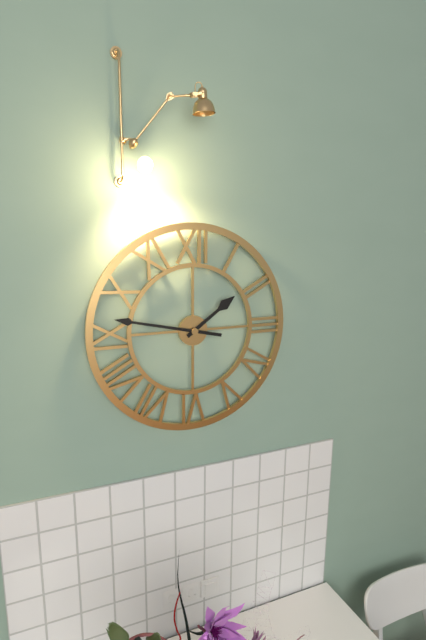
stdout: 1:47
